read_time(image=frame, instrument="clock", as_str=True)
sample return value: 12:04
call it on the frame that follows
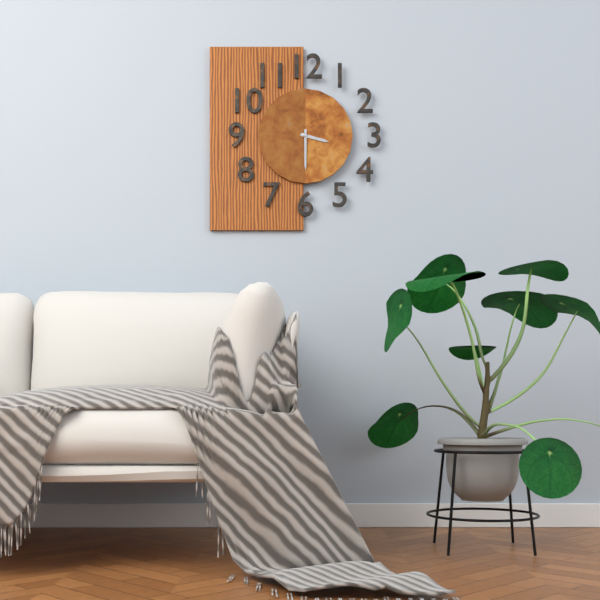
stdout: 3:30
